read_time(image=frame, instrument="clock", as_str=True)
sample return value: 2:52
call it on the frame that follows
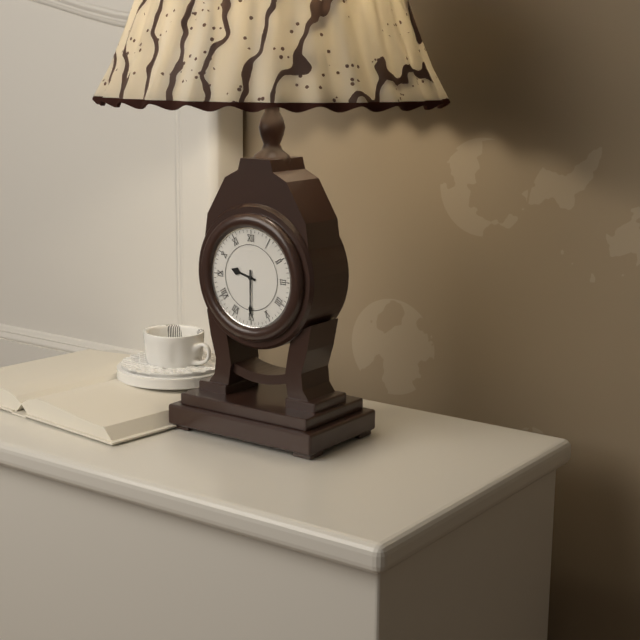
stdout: 9:30
